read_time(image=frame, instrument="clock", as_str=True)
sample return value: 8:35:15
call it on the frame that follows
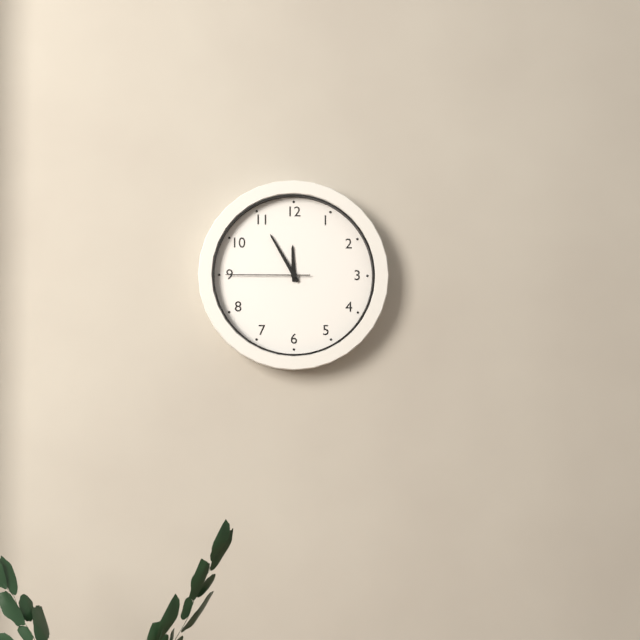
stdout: 11:55:45
